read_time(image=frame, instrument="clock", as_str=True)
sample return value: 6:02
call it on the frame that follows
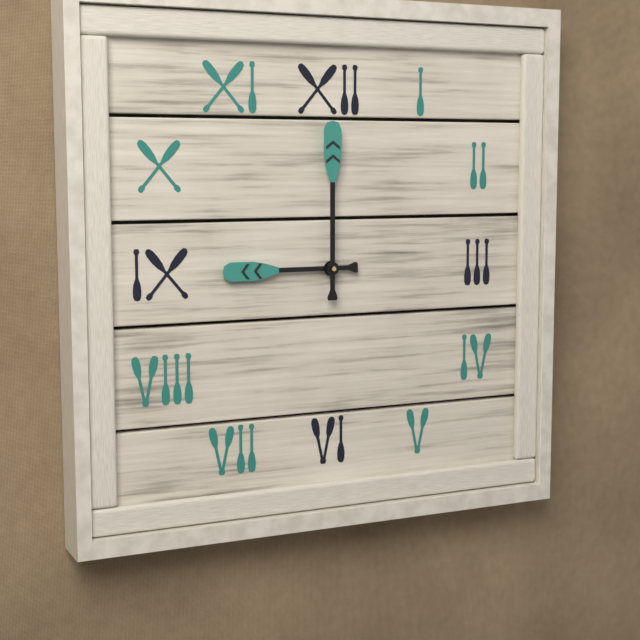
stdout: 9:00
